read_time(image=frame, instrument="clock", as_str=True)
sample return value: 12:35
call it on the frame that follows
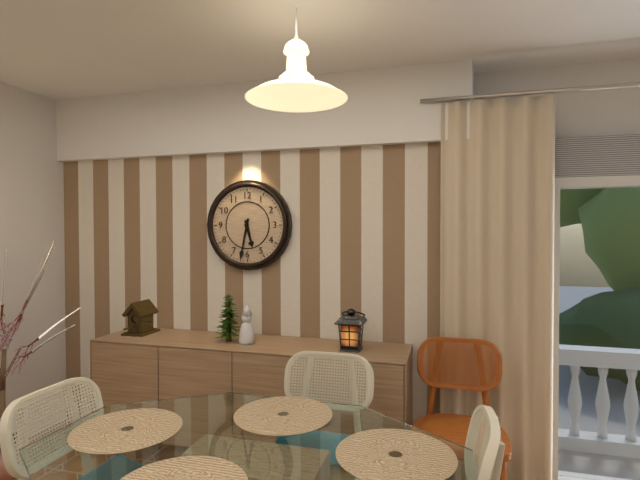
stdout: 5:32
